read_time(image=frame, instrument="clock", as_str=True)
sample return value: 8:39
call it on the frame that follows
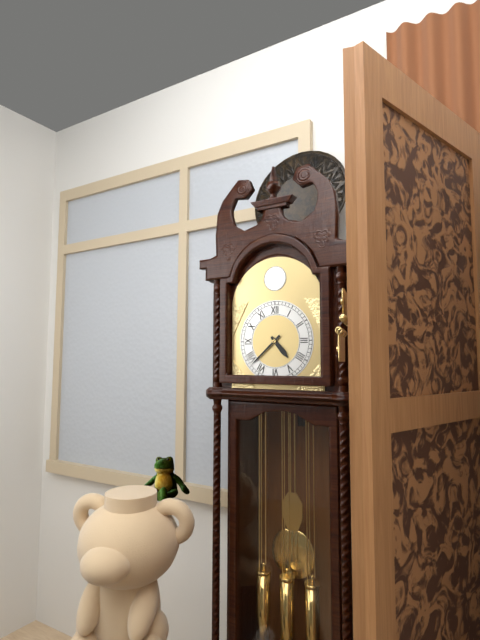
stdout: 4:38
